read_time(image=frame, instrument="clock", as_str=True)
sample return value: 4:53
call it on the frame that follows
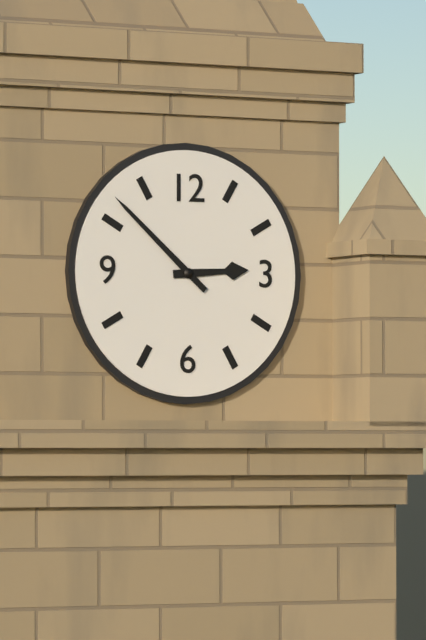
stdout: 2:52
